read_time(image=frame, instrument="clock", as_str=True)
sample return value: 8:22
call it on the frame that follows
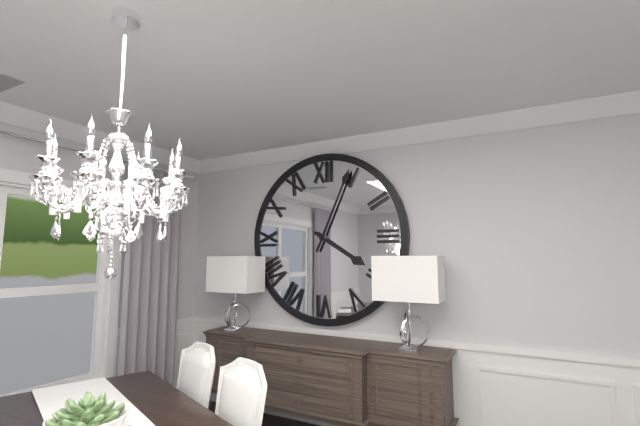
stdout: 4:04
